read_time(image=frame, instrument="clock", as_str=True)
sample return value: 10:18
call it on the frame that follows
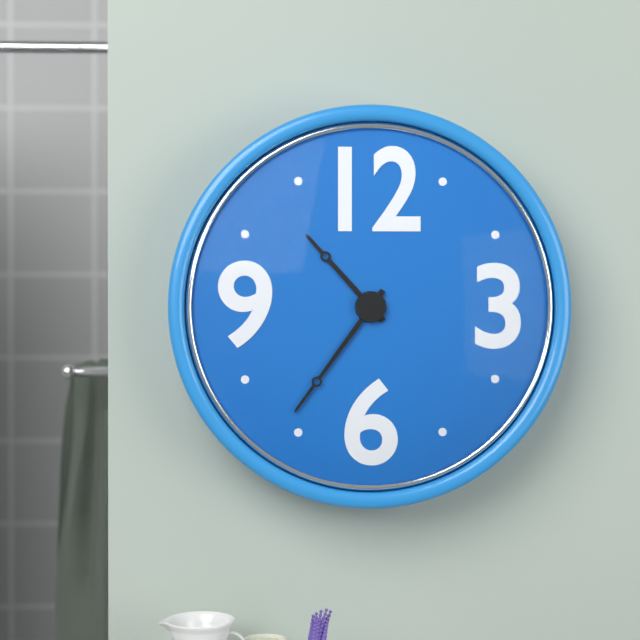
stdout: 10:36
